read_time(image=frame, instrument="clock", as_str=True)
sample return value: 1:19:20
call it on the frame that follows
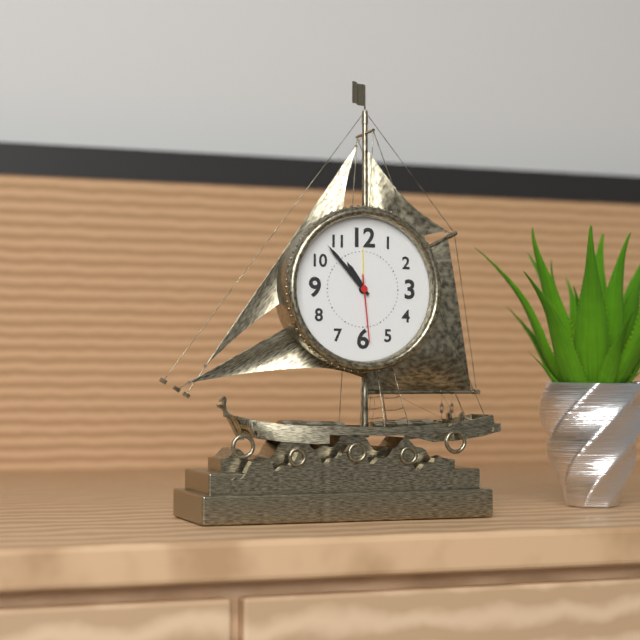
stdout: 10:53:29
